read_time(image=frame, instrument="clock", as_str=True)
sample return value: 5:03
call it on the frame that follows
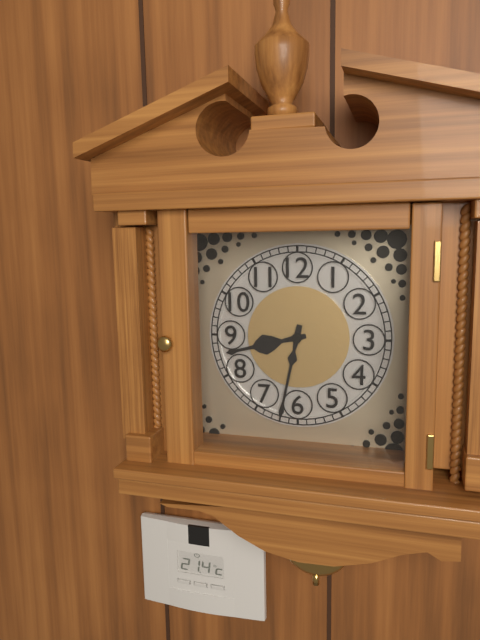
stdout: 8:32
